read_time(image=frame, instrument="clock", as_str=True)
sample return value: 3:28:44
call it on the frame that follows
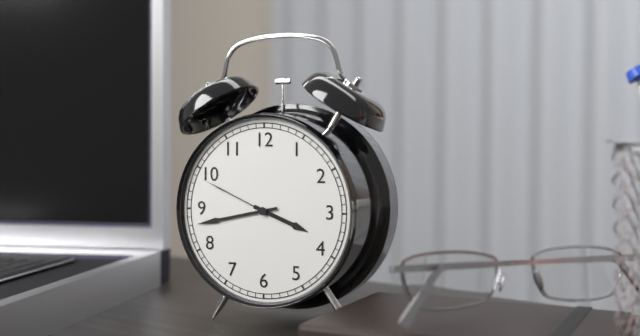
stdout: 3:43:49
